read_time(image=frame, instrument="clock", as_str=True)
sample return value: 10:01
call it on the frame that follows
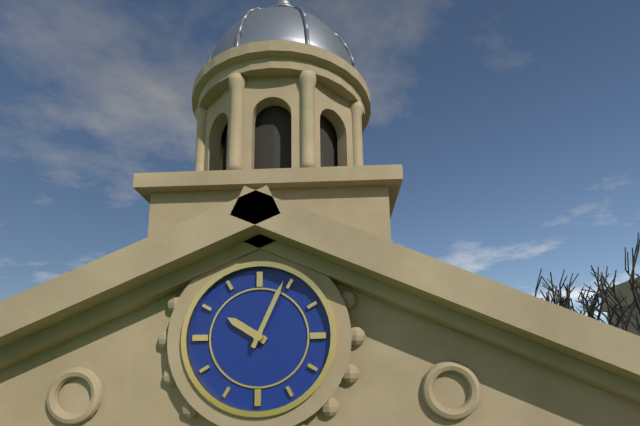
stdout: 10:04
